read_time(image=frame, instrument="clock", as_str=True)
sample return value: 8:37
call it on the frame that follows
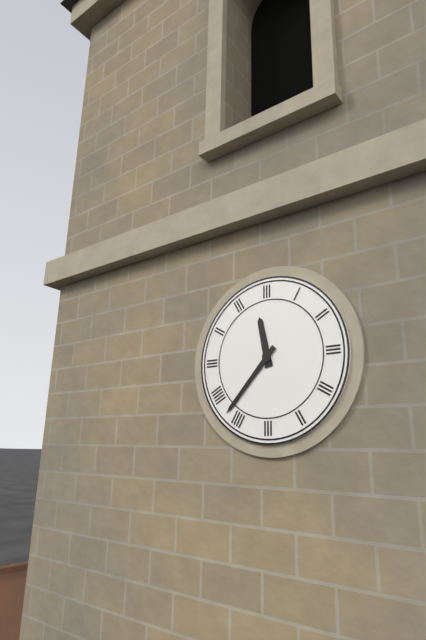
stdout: 11:37
